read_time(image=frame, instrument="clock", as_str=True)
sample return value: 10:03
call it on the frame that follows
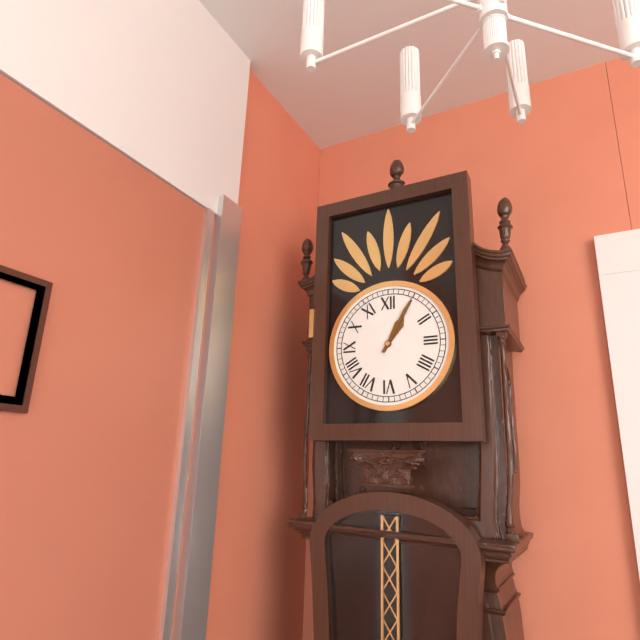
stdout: 1:05
